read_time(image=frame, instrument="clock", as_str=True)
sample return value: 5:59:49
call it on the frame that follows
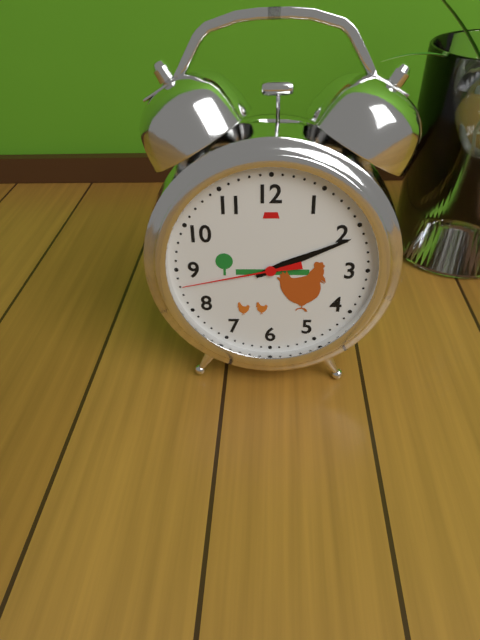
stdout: 2:11:43
